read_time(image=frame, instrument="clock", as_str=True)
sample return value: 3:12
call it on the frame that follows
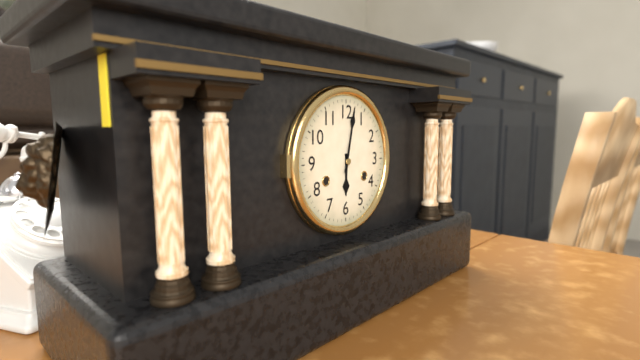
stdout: 6:02
